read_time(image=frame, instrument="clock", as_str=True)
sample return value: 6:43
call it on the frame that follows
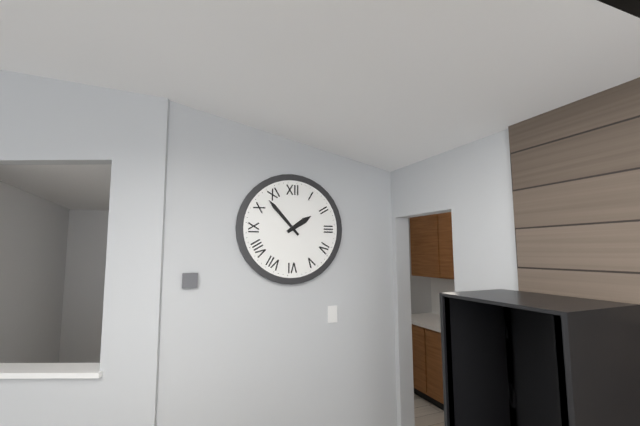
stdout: 1:53
